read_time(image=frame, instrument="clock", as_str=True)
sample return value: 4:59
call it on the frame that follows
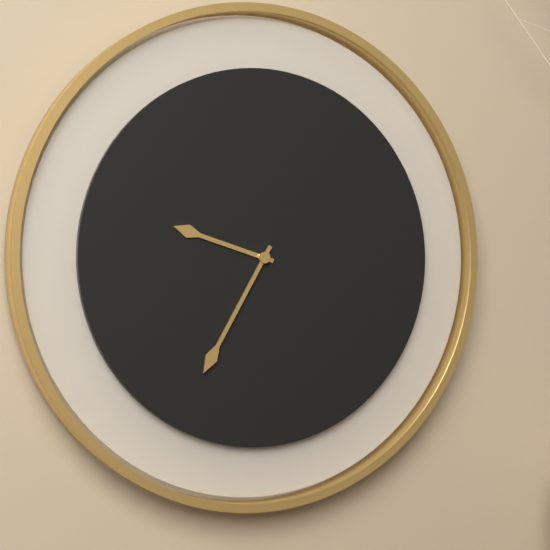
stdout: 9:35
